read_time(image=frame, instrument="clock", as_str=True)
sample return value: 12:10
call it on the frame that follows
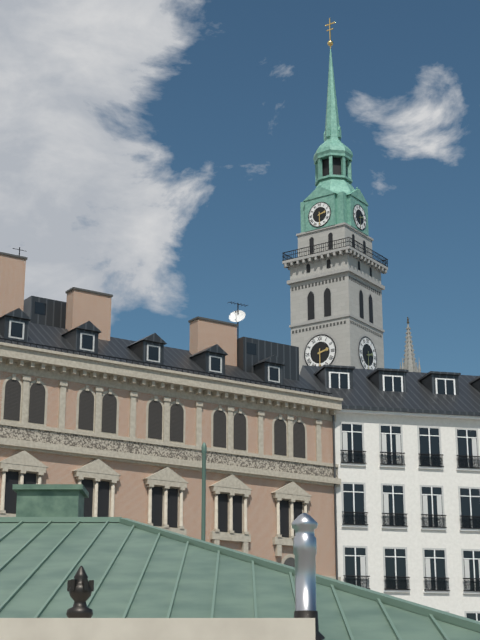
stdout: 2:30
